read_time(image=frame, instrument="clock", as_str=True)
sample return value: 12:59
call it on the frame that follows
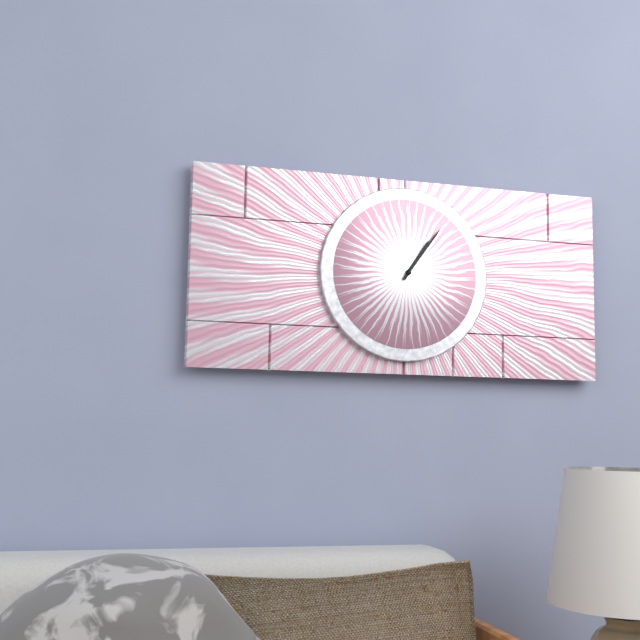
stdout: 1:06
